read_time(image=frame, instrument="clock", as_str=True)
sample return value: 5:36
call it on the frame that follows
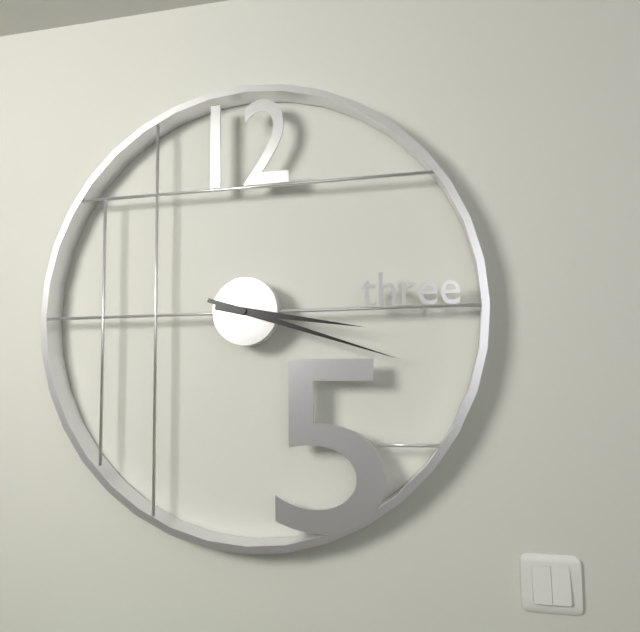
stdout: 3:18
